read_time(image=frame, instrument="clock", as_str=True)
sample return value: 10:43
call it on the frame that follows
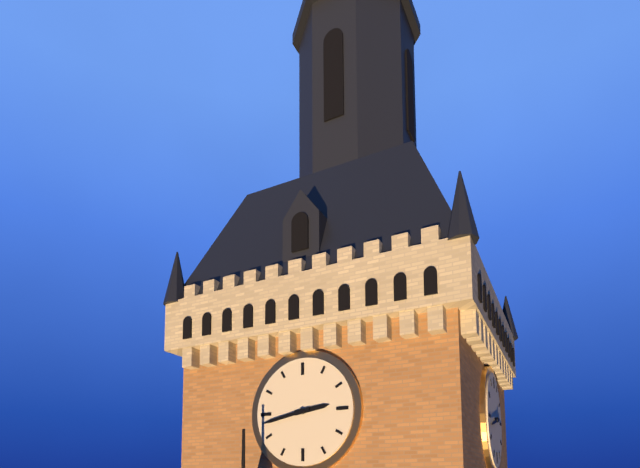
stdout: 2:43
